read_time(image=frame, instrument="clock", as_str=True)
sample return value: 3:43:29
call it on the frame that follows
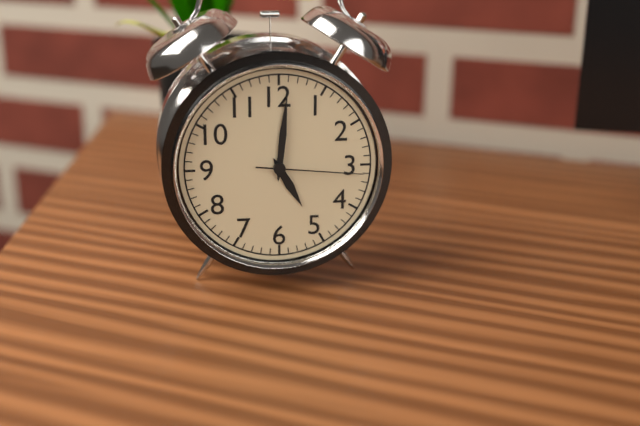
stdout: 5:01:16
